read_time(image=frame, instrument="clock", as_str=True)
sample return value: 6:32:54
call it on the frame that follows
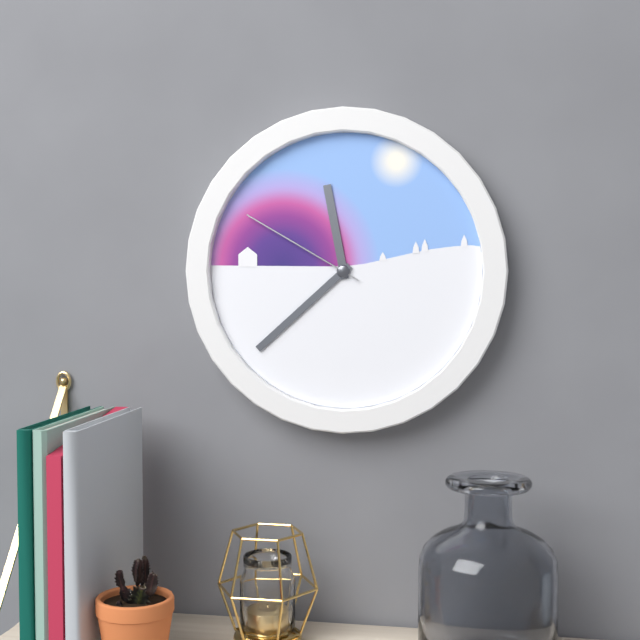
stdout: 11:38:50
